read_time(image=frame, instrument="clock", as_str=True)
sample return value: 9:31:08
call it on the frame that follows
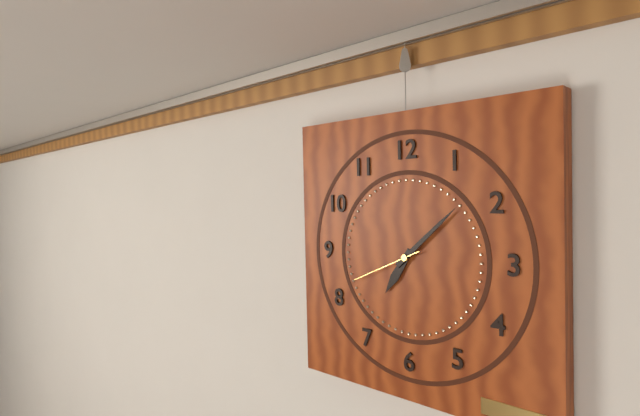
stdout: 7:08:41
